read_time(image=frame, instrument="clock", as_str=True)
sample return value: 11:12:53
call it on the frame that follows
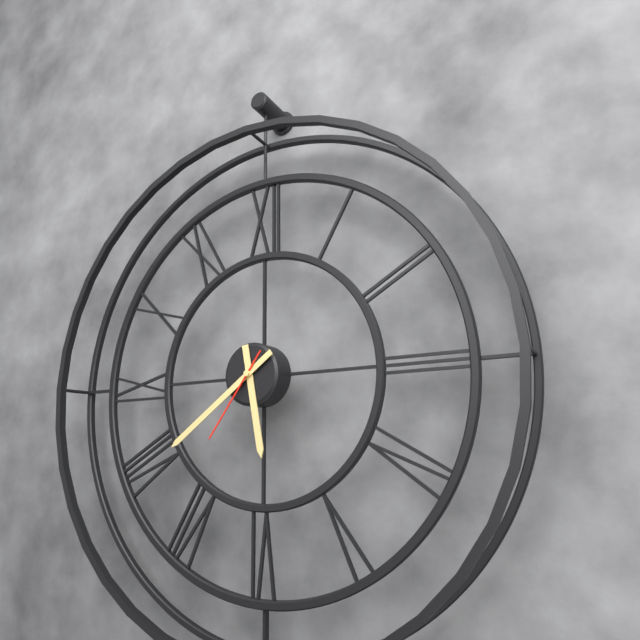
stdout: 5:39:36
